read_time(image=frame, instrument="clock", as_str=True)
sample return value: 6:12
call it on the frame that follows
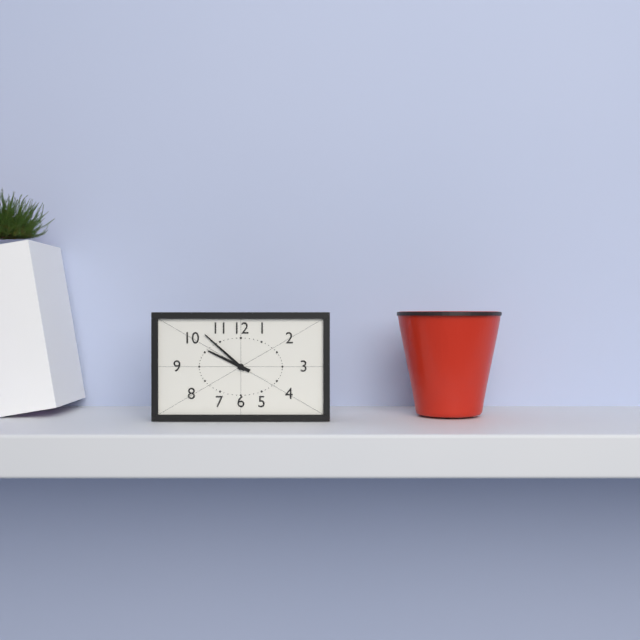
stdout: 9:52
